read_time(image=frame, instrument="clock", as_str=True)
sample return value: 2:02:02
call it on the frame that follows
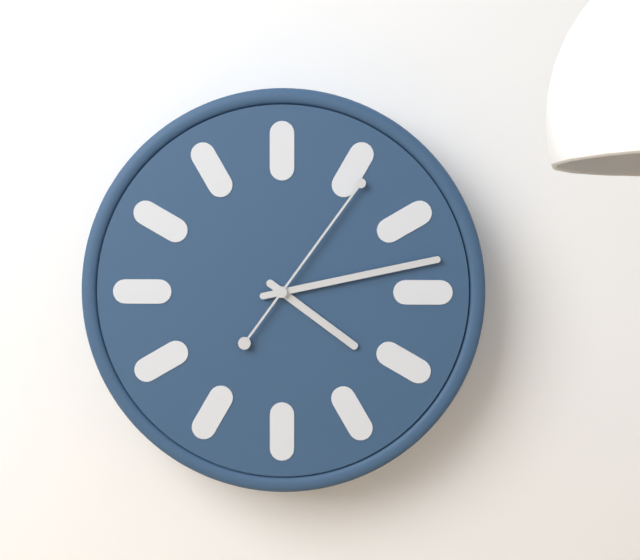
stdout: 4:13:06
